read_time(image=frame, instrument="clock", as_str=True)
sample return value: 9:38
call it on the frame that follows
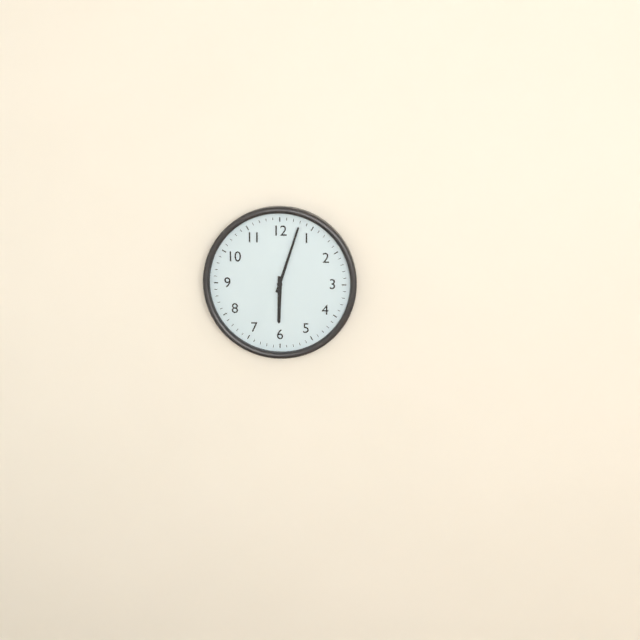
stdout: 6:03
